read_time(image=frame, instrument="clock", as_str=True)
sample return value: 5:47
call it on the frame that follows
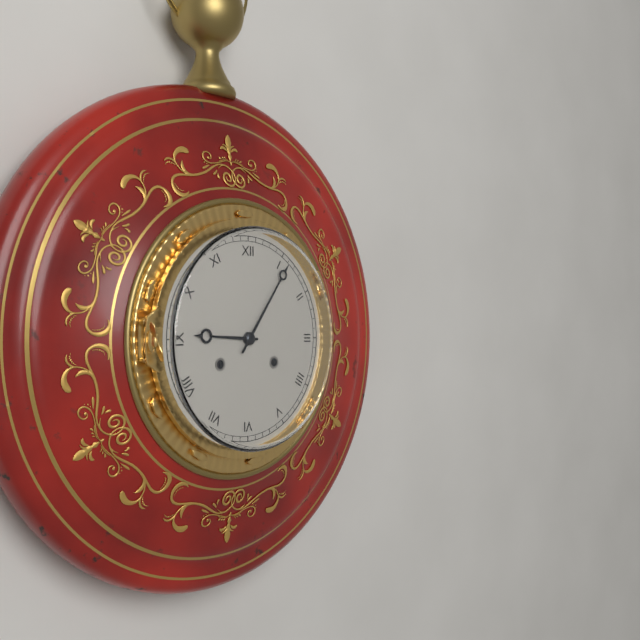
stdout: 9:06
